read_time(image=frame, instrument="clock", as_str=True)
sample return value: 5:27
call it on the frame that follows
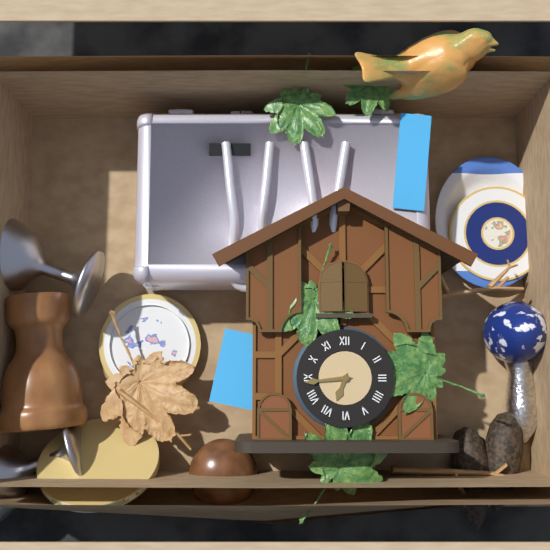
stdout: 6:44
